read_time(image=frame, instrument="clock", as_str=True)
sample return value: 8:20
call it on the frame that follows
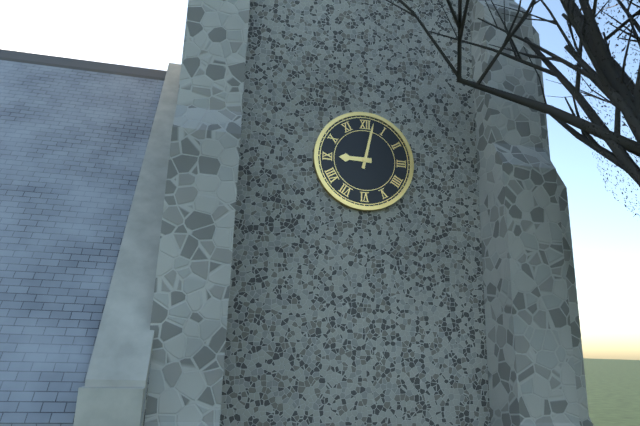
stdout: 9:02
